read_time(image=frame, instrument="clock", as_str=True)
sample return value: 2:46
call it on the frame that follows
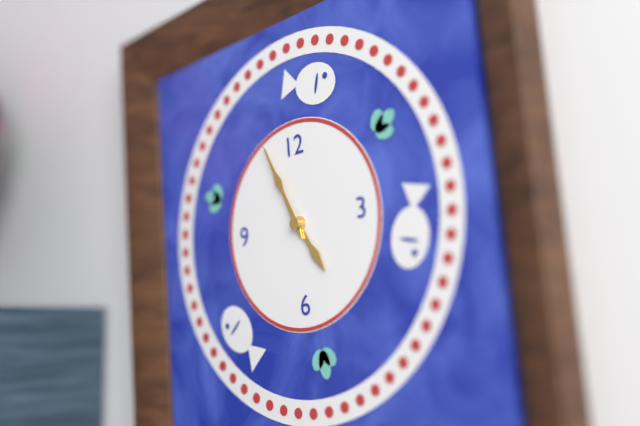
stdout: 4:56
